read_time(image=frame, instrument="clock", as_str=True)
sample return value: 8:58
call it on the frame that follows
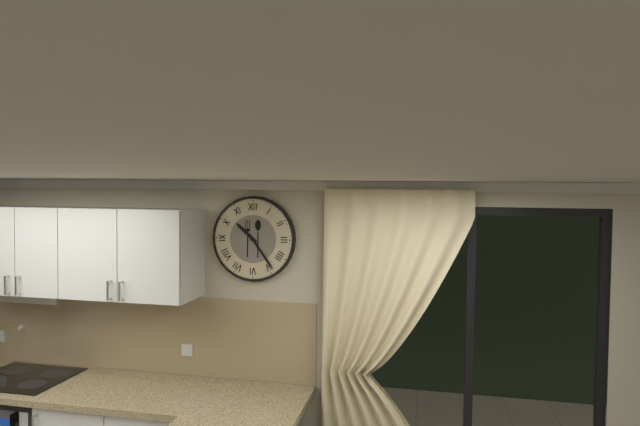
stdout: 10:24
